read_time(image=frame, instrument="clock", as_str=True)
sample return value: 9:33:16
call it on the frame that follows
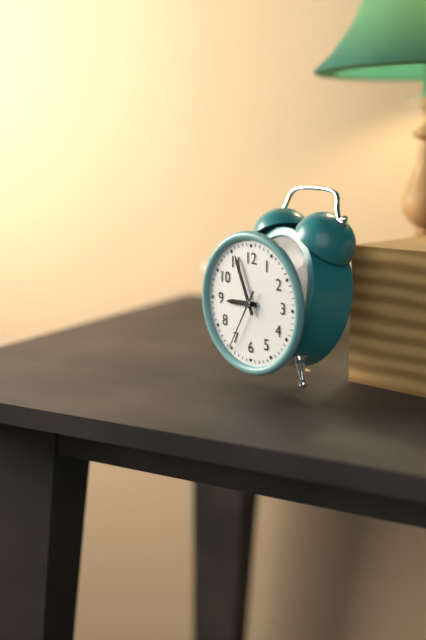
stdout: 8:56:35
